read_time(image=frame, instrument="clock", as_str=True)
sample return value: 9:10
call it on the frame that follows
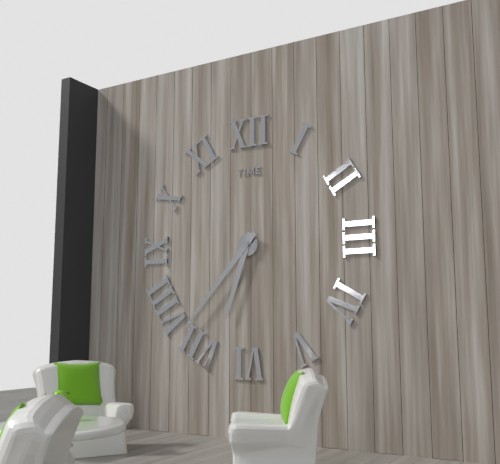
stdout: 6:37
